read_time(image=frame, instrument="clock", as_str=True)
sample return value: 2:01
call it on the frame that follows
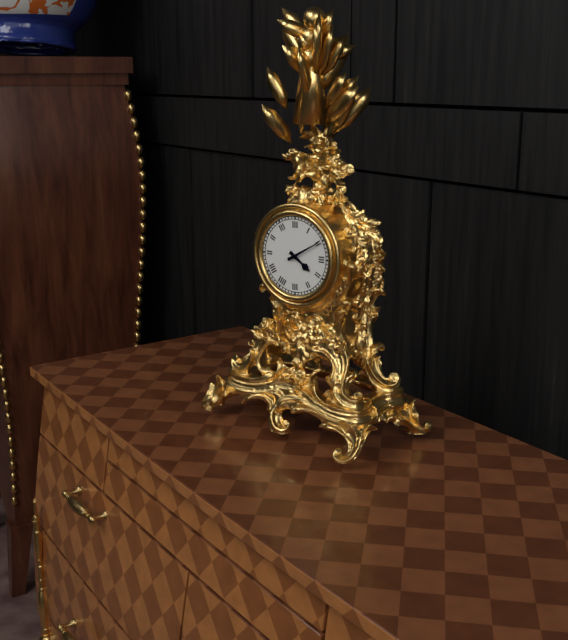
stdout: 4:10
